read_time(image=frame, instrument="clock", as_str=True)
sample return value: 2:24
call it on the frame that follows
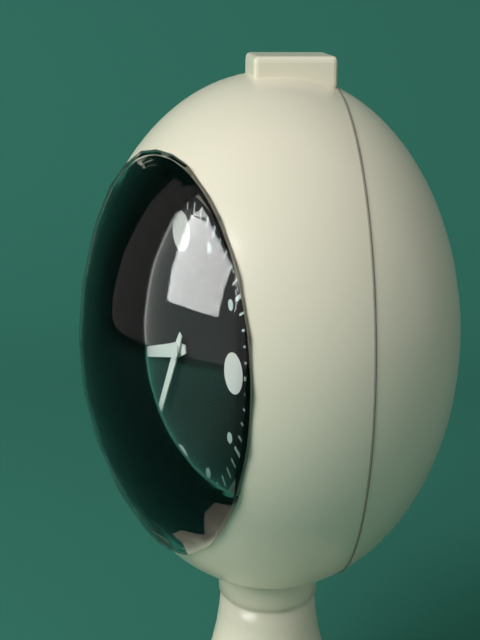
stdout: 8:35
